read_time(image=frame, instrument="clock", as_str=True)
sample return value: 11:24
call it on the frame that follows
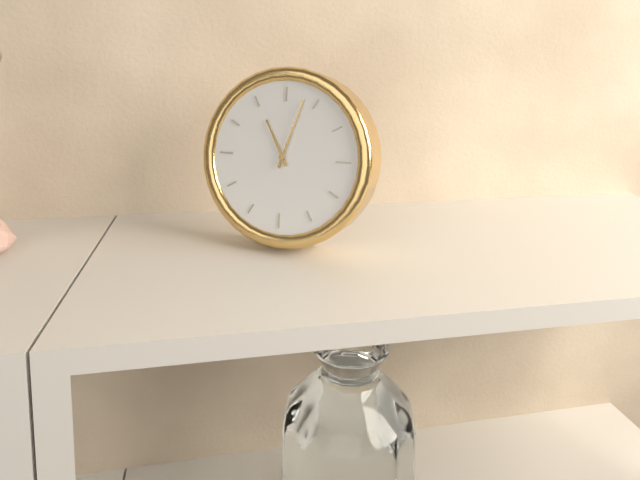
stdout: 11:03
